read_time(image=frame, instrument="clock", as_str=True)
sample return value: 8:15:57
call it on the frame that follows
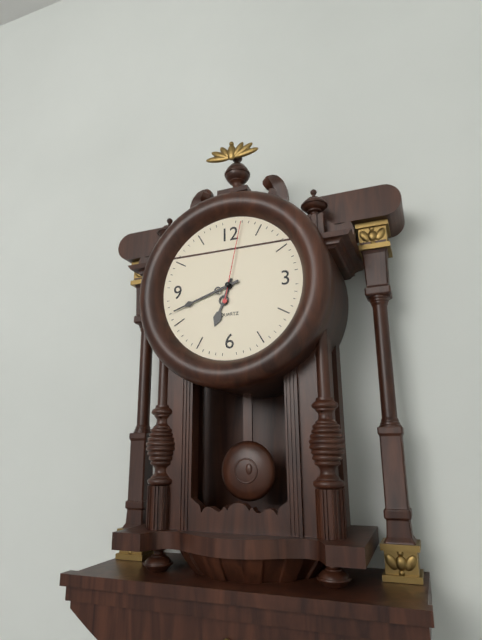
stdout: 6:42:02
